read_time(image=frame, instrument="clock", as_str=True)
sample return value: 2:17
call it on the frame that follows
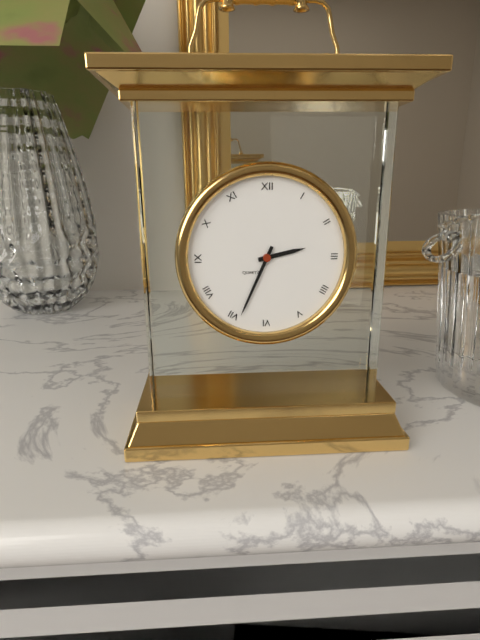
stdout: 2:34
